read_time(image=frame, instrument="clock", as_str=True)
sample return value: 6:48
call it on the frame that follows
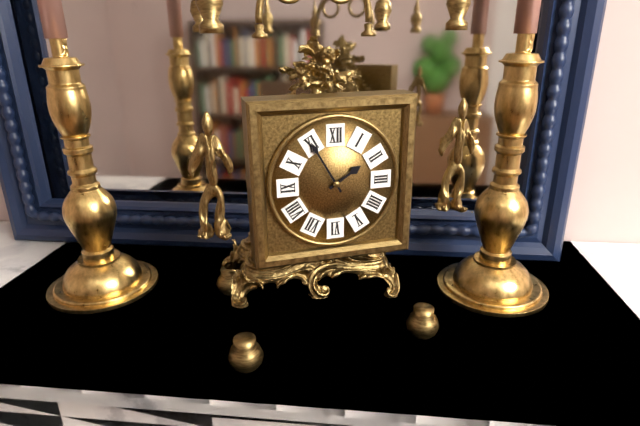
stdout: 1:55
